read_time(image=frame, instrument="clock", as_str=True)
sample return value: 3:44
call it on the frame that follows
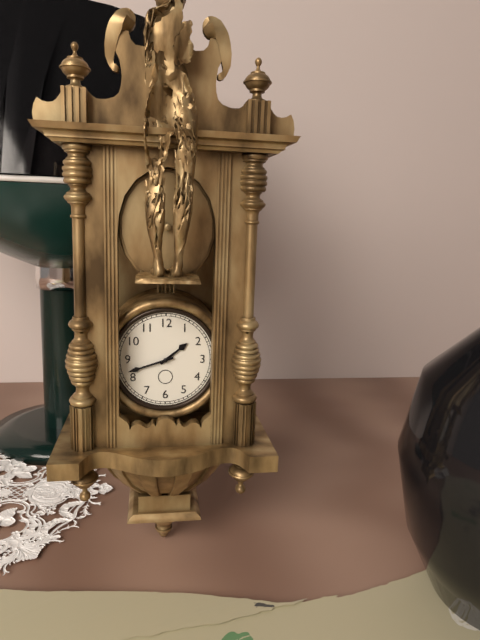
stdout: 1:42
